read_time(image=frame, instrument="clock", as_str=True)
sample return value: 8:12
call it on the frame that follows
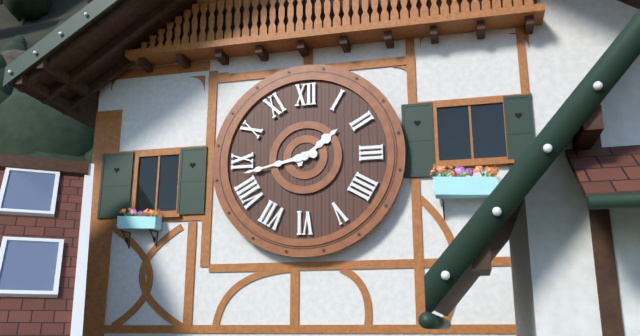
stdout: 1:43
